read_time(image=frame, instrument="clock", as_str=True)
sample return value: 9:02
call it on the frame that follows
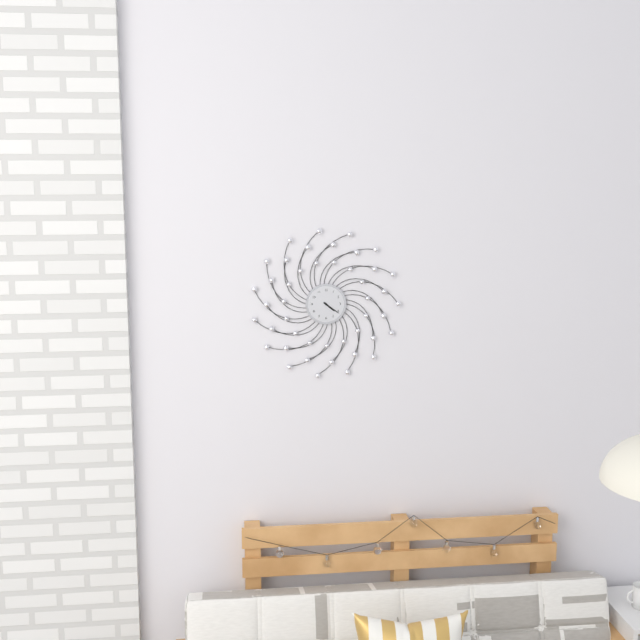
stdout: 4:21
